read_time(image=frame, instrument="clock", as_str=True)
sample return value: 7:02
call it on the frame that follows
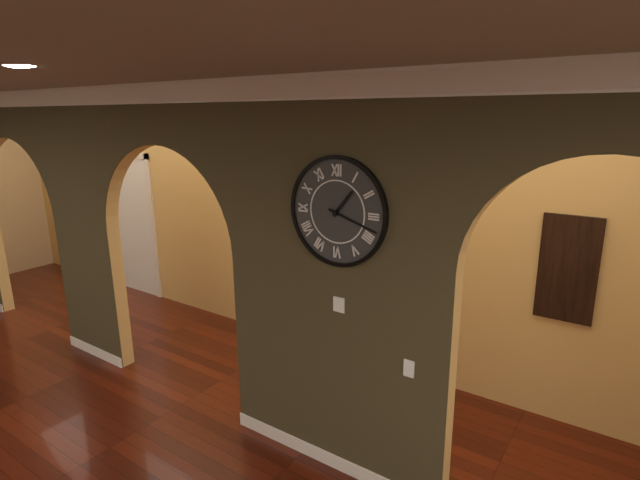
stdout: 1:18
